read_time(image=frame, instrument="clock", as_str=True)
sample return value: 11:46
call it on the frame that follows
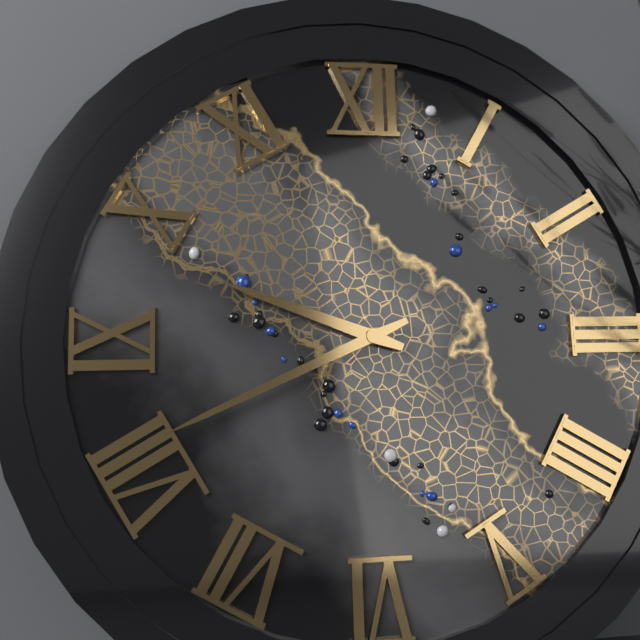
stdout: 9:41
